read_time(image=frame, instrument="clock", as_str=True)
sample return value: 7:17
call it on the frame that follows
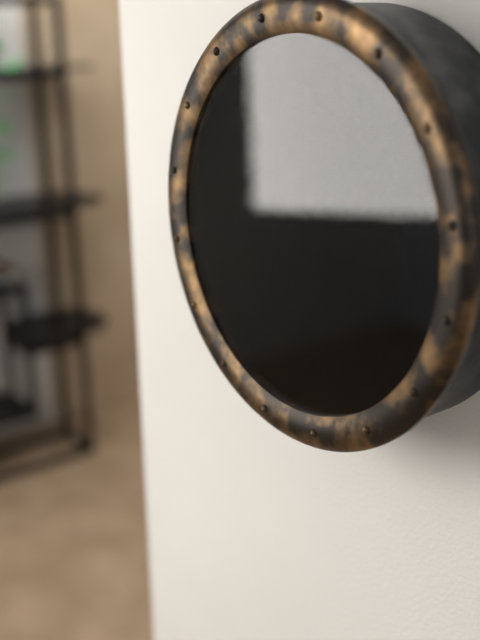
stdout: 6:45
